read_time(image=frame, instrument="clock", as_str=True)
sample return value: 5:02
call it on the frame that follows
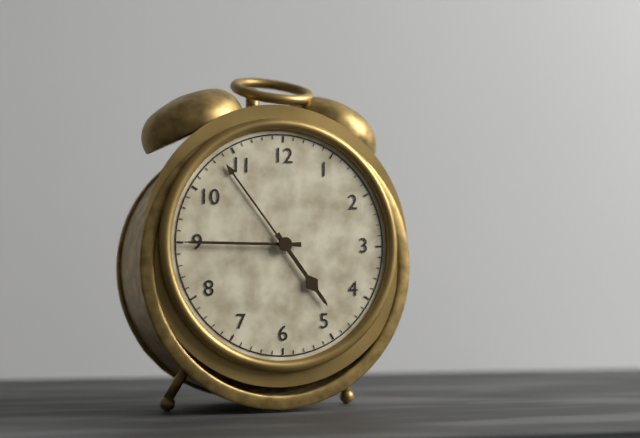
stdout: 4:45
